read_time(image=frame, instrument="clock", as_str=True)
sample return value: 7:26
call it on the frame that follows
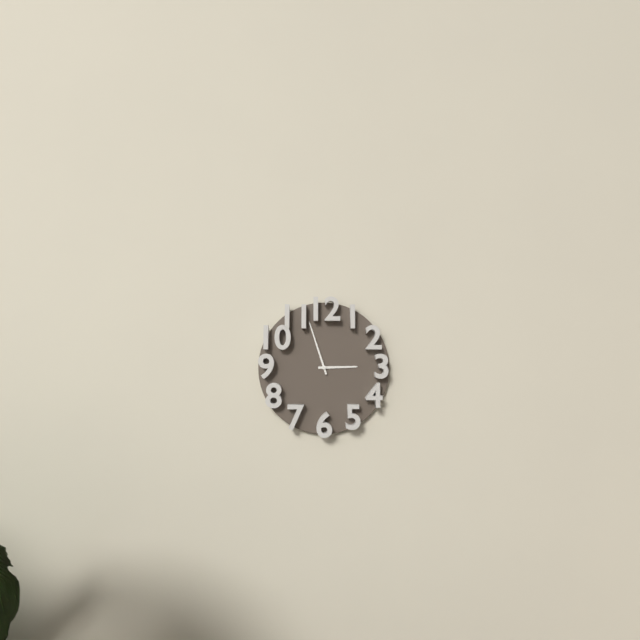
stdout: 2:57
